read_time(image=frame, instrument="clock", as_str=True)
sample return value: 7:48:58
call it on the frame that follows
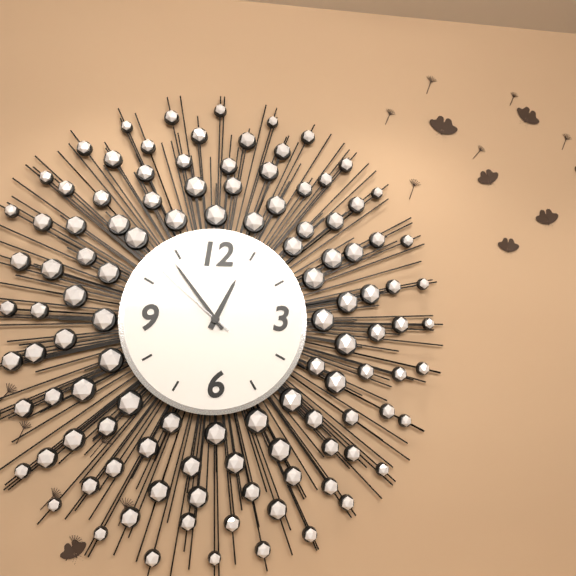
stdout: 12:54:52
